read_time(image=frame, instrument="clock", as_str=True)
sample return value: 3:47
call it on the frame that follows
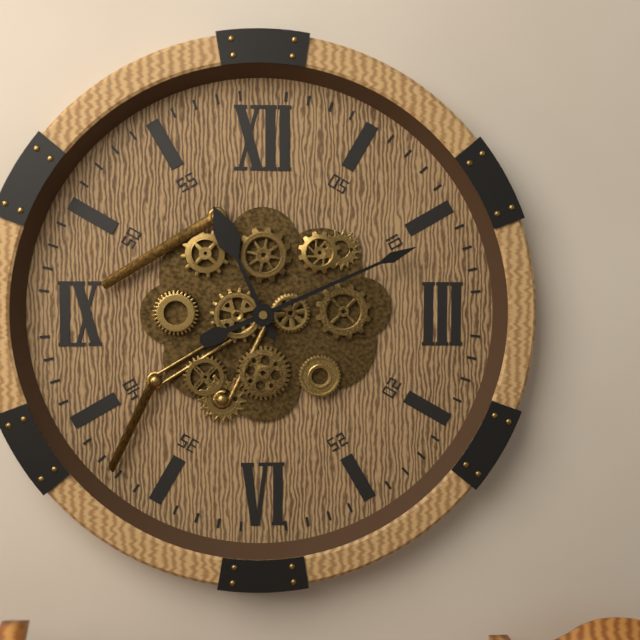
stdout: 11:11
